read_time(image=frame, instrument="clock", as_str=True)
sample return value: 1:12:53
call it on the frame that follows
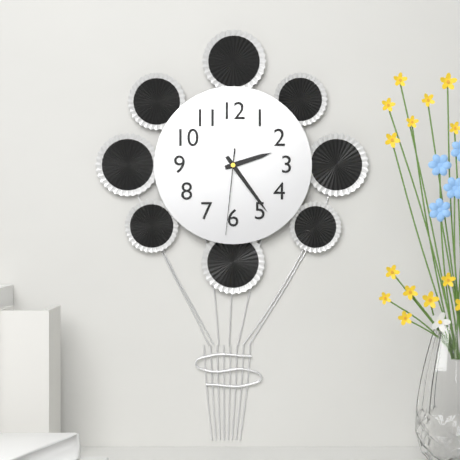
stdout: 2:24:31
